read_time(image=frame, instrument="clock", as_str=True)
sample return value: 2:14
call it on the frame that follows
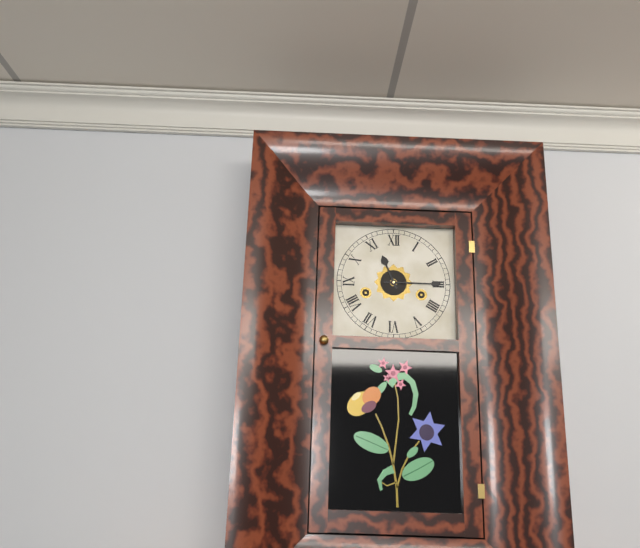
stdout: 11:15
